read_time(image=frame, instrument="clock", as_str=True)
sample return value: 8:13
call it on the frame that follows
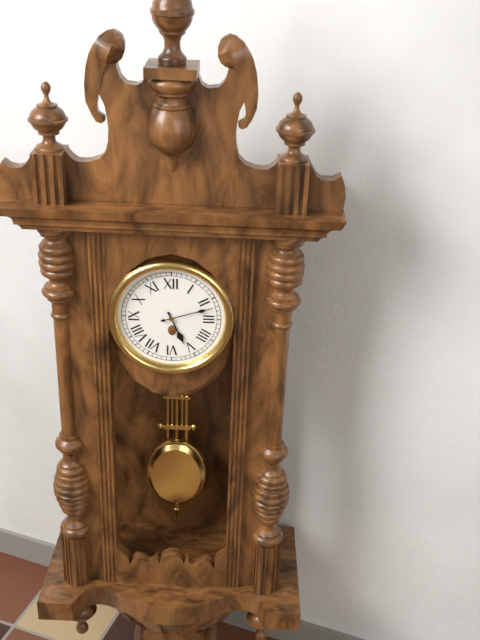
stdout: 5:12
